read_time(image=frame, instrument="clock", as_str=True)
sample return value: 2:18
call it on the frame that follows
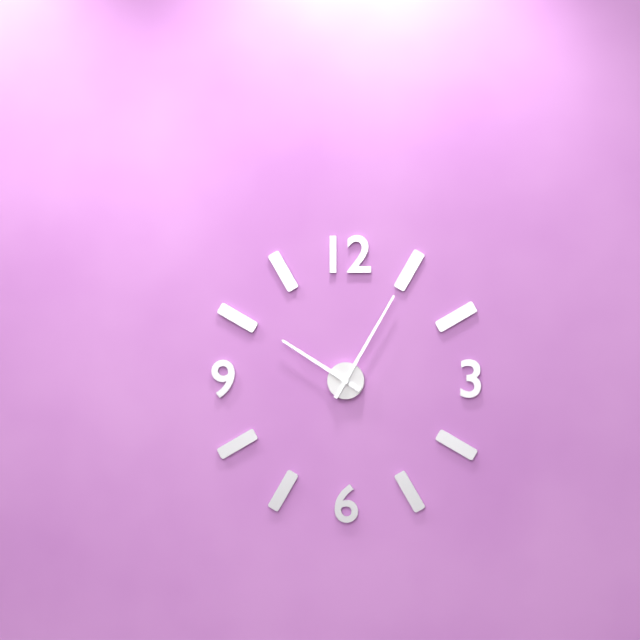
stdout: 10:05
